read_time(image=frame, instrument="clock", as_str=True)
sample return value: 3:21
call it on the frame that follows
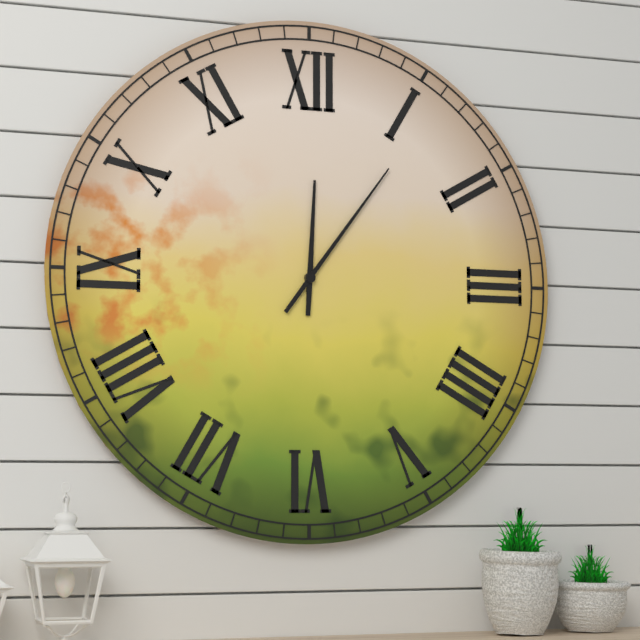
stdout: 12:06
